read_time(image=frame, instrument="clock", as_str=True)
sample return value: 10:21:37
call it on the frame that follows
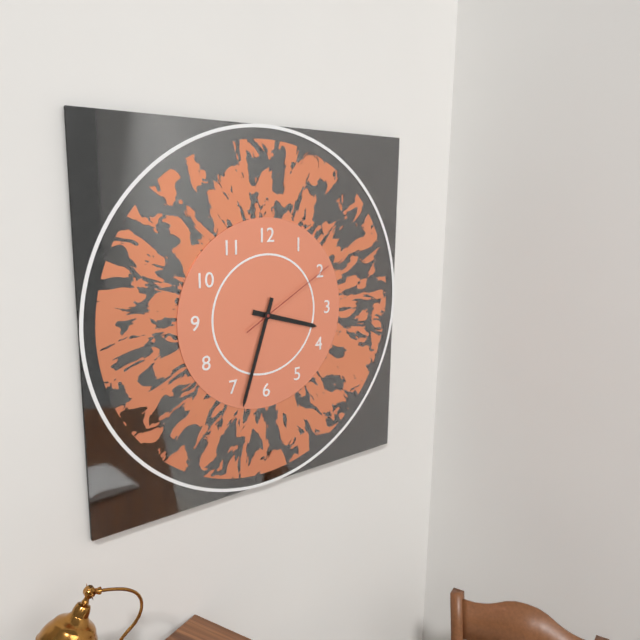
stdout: 3:33:10
